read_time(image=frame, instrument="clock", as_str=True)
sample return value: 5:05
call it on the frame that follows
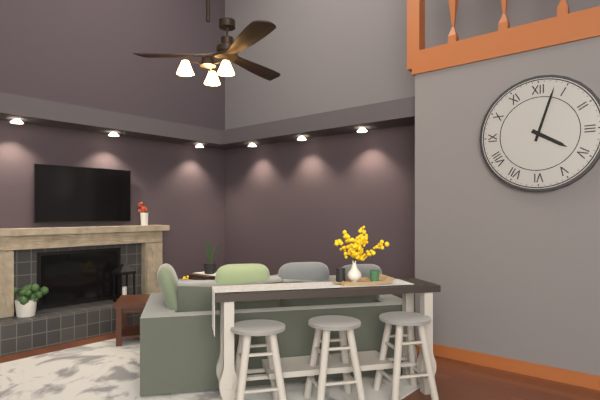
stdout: 4:03
